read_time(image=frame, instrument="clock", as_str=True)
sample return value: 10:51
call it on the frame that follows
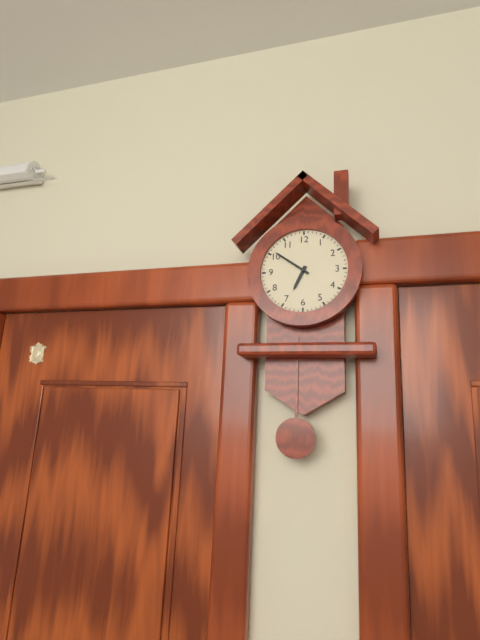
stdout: 6:51
